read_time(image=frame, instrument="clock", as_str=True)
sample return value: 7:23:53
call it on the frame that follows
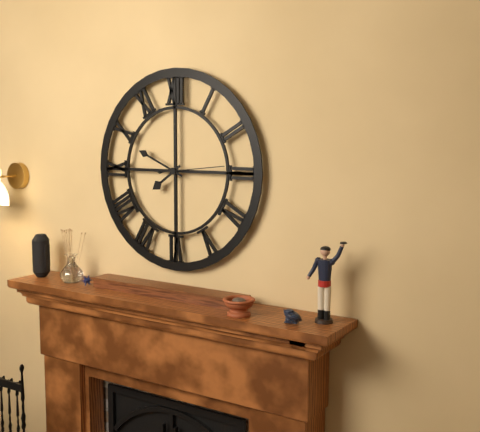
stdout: 7:49:14
